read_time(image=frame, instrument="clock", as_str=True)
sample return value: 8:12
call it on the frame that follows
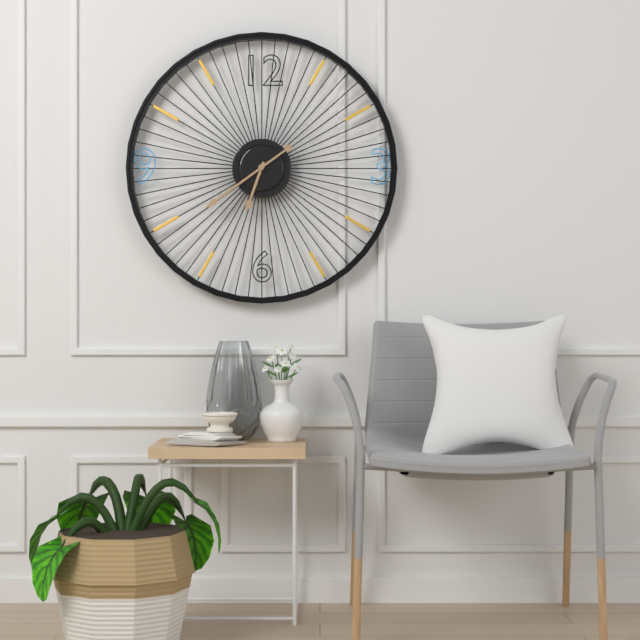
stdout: 6:39
